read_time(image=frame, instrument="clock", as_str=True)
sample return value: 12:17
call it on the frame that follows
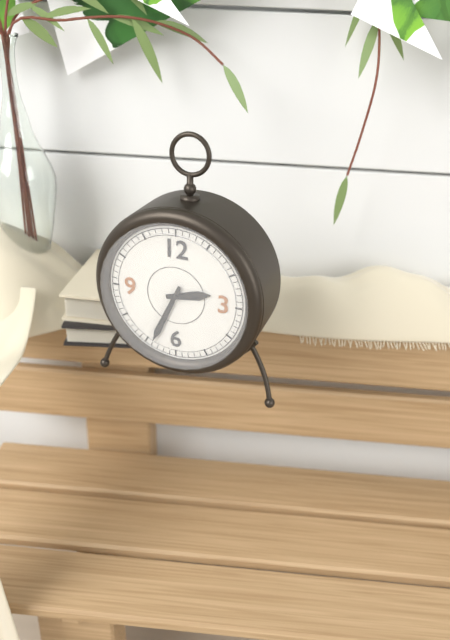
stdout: 2:34
